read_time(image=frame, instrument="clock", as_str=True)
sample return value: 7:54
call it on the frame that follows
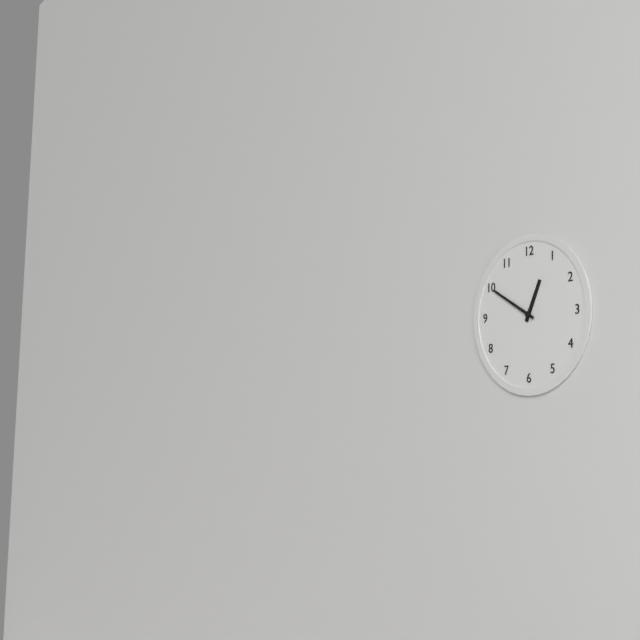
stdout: 12:50
